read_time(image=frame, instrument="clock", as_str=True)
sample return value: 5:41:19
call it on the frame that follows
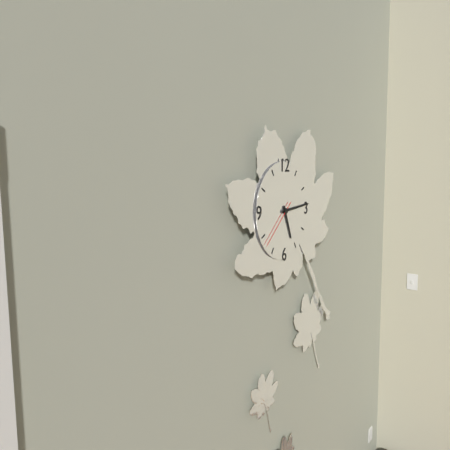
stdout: 5:14:38
